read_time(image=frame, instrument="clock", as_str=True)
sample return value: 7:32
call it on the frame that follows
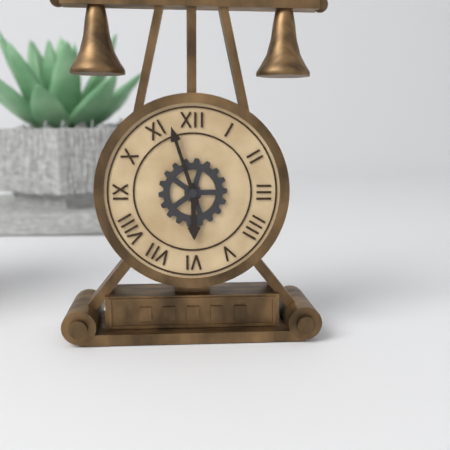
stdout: 5:57
